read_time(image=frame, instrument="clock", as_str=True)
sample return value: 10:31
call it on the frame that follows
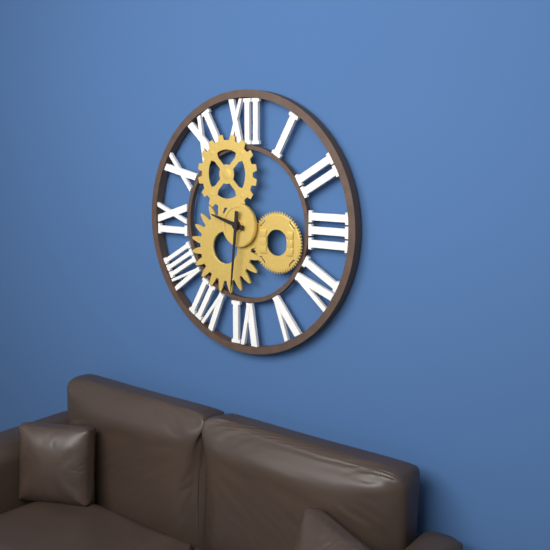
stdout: 9:31
